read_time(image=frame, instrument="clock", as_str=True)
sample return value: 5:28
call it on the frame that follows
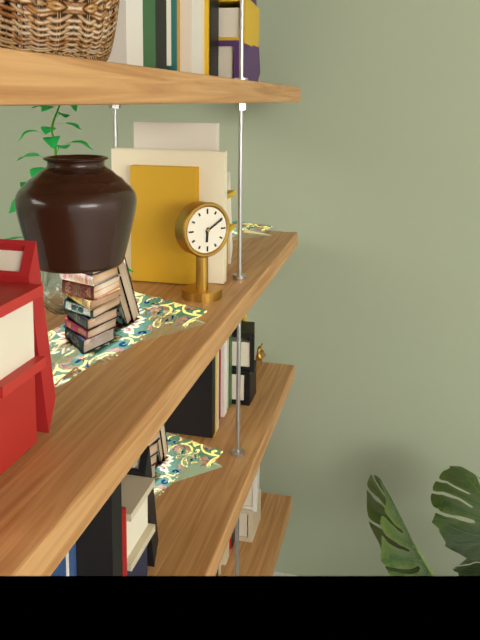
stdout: 6:10
